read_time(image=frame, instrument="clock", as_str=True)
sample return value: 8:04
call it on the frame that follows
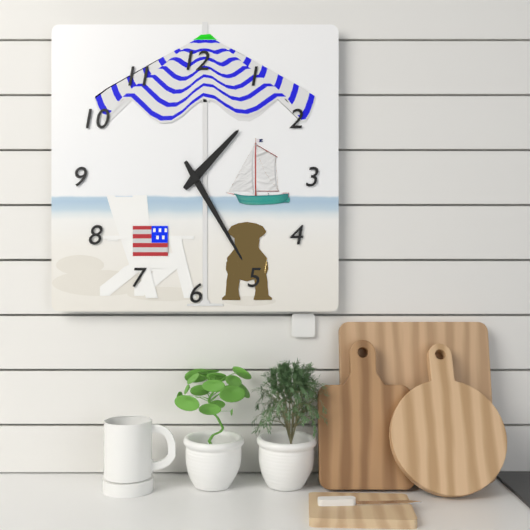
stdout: 1:25
